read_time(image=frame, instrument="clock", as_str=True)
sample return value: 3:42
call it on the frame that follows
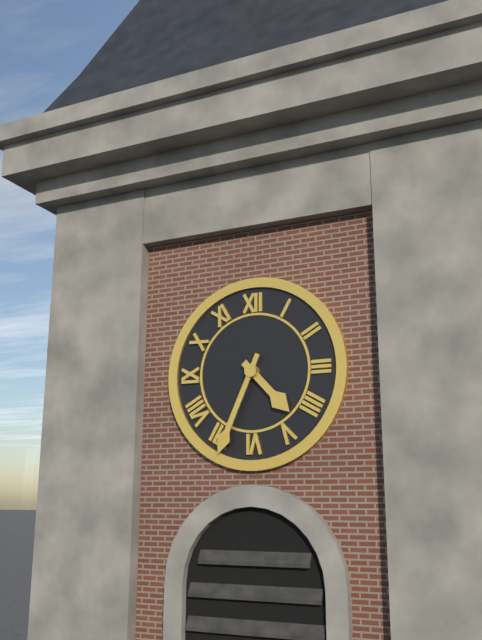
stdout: 4:34
